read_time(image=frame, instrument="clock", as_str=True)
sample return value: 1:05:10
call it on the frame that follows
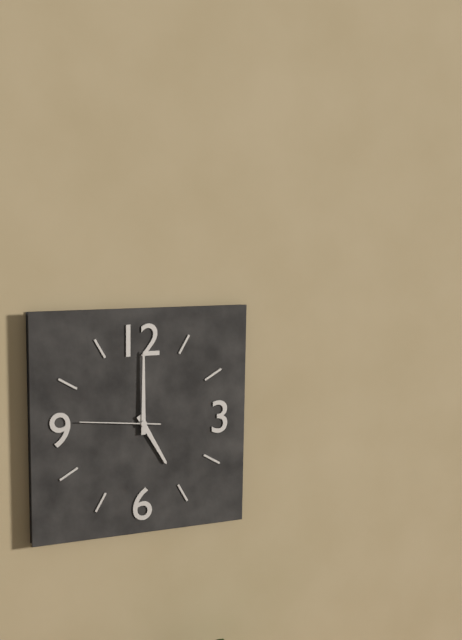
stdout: 5:00:46
